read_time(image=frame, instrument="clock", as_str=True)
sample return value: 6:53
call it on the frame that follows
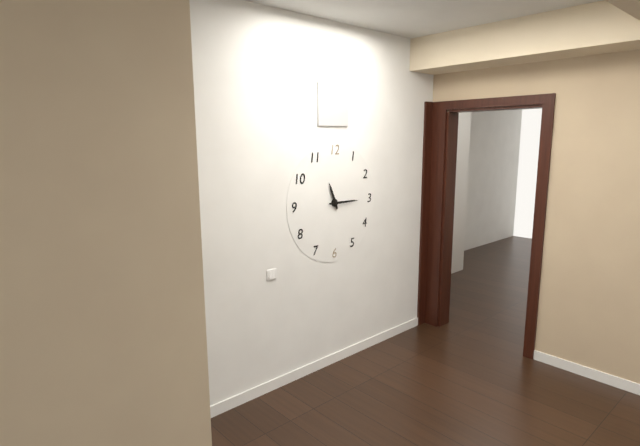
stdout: 11:15
